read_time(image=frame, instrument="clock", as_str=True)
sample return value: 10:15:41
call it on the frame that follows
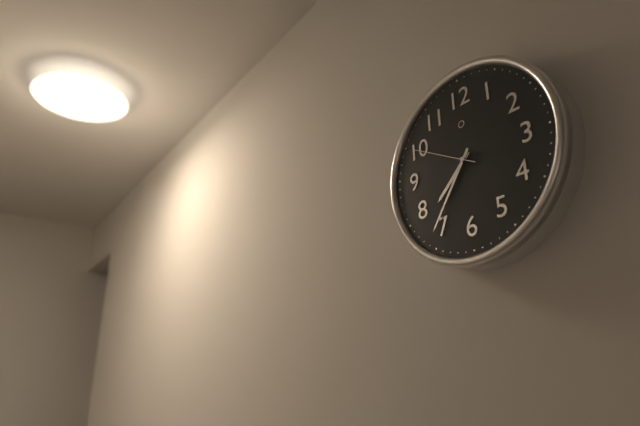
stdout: 7:36:50
